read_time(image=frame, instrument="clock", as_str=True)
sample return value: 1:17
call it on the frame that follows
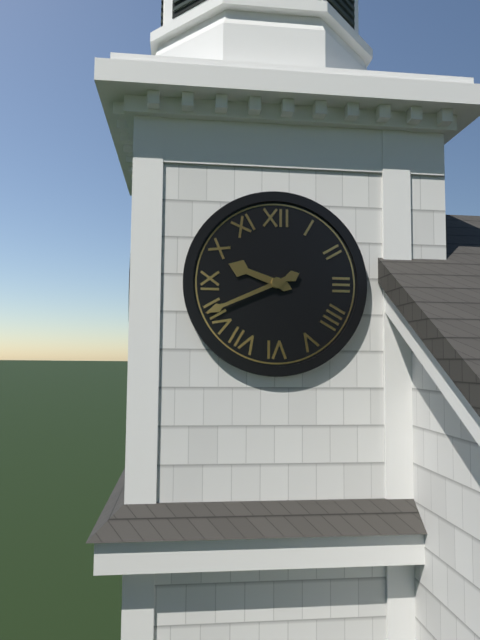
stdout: 9:41
